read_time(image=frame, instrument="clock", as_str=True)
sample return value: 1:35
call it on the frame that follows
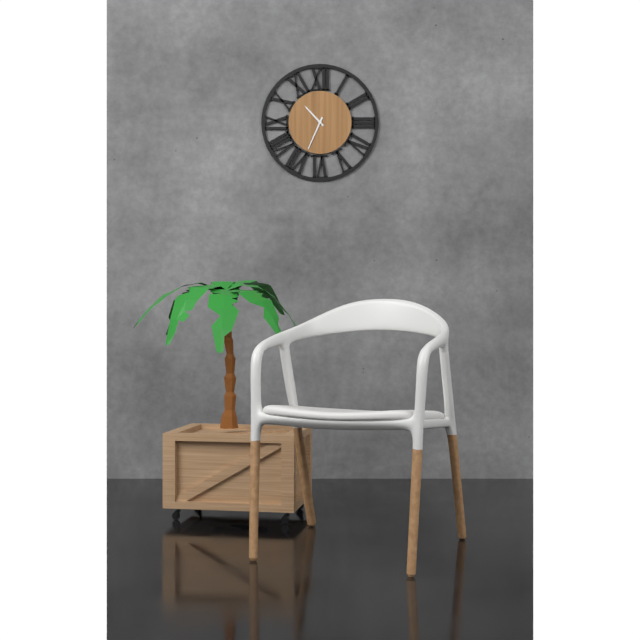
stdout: 10:34
